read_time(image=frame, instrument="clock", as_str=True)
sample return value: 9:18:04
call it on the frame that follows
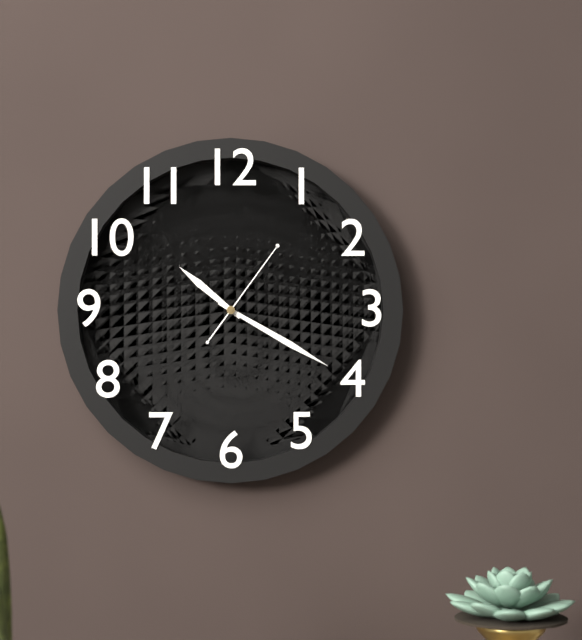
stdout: 10:20:06
